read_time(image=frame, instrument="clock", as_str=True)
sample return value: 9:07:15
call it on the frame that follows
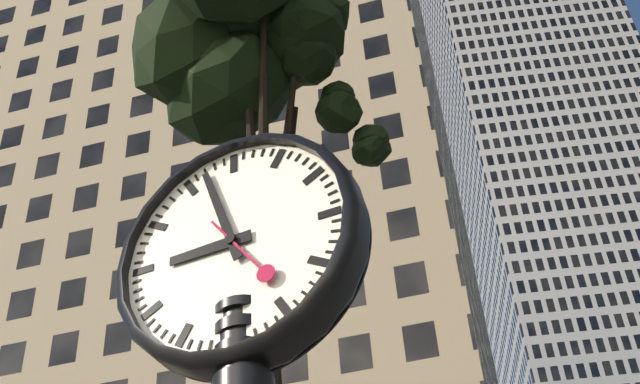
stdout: 8:57:24
